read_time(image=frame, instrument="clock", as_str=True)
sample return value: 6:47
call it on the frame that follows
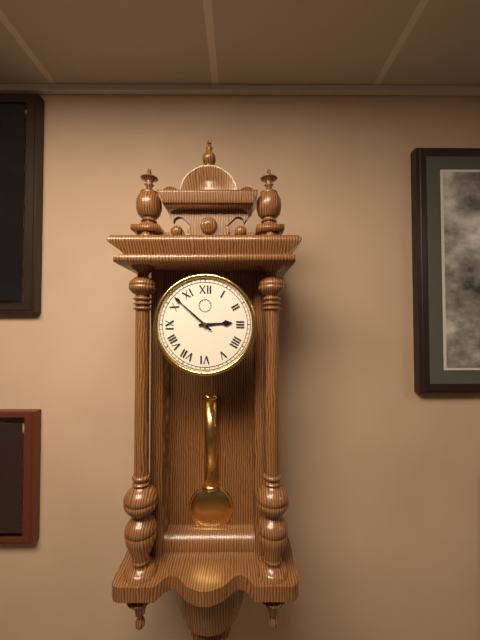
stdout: 2:52
